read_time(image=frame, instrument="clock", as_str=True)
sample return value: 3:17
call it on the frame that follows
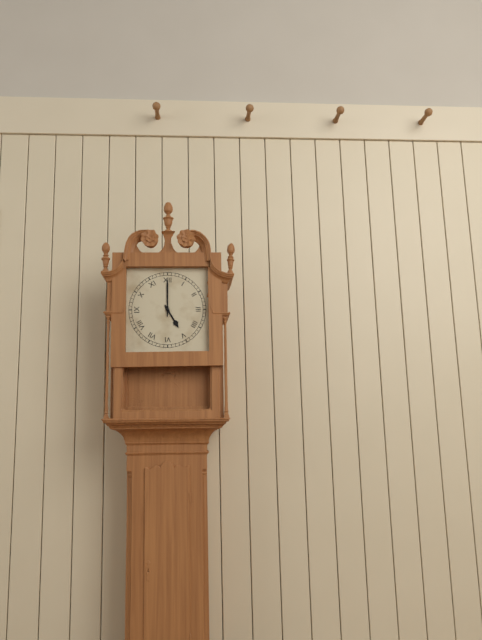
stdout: 5:00
